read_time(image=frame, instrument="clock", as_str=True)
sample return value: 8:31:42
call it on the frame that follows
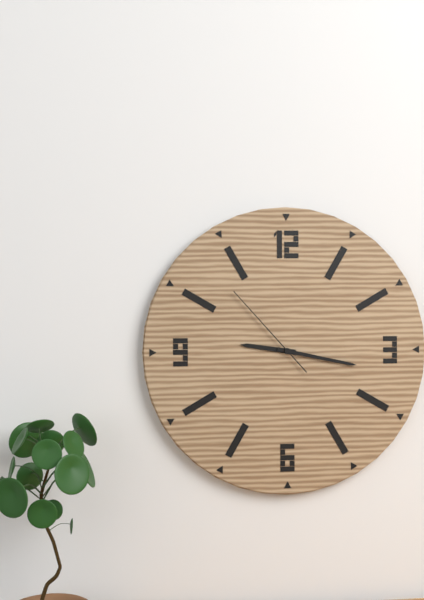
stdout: 9:17:53
